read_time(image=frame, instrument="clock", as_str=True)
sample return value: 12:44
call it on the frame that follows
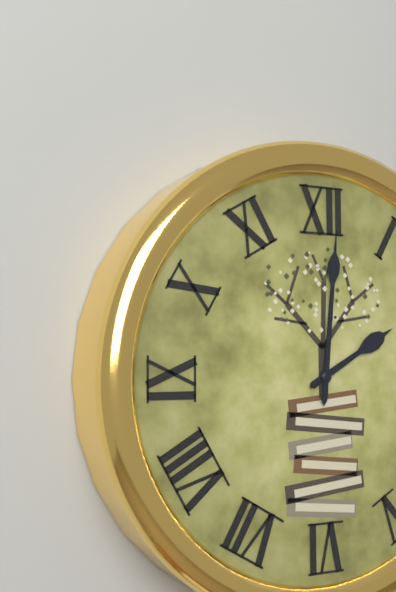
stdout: 2:01
